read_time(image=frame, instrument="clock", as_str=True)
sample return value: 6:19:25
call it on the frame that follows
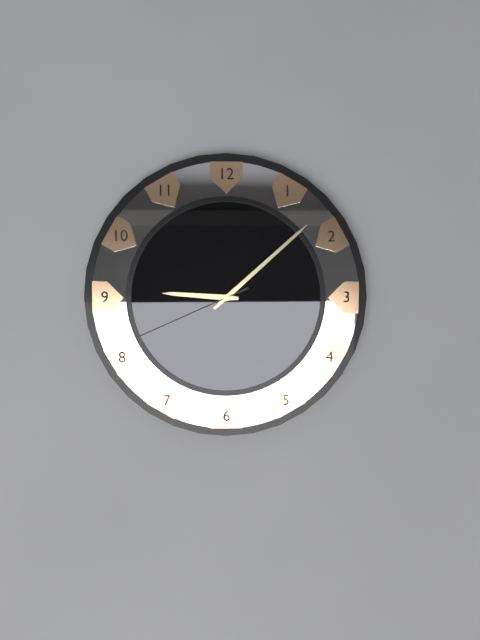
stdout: 9:08:41
